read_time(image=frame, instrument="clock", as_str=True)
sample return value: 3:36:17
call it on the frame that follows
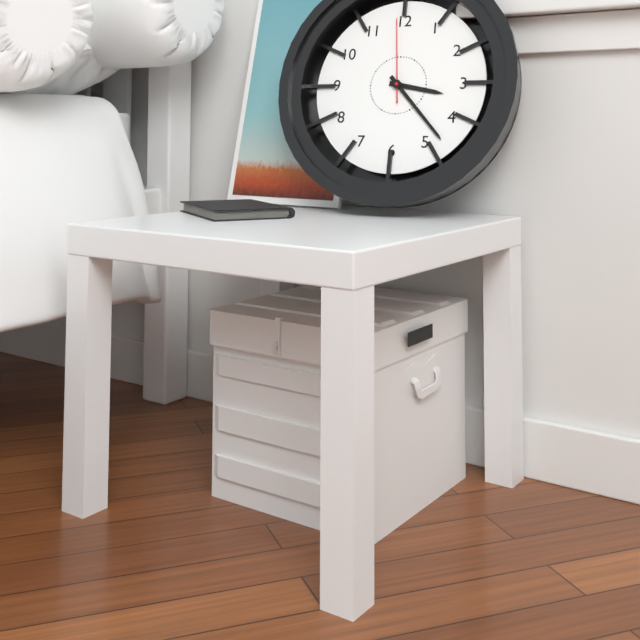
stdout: 3:23:59
